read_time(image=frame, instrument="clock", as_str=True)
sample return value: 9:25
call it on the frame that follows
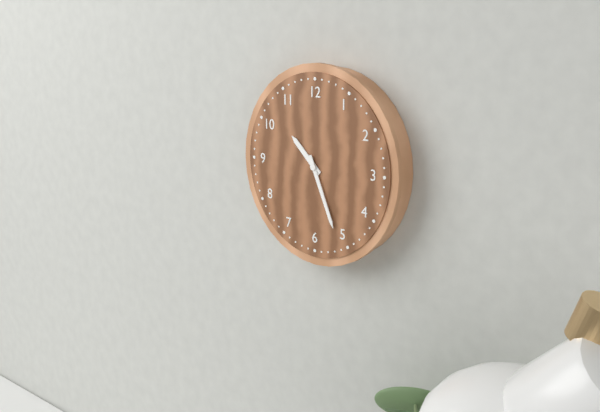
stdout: 10:26
